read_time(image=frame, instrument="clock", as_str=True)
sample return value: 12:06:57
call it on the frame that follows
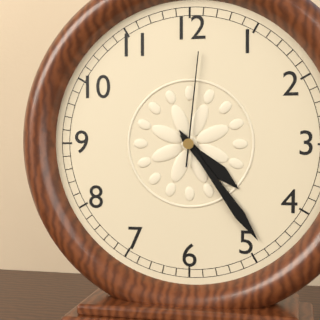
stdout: 4:24:01
